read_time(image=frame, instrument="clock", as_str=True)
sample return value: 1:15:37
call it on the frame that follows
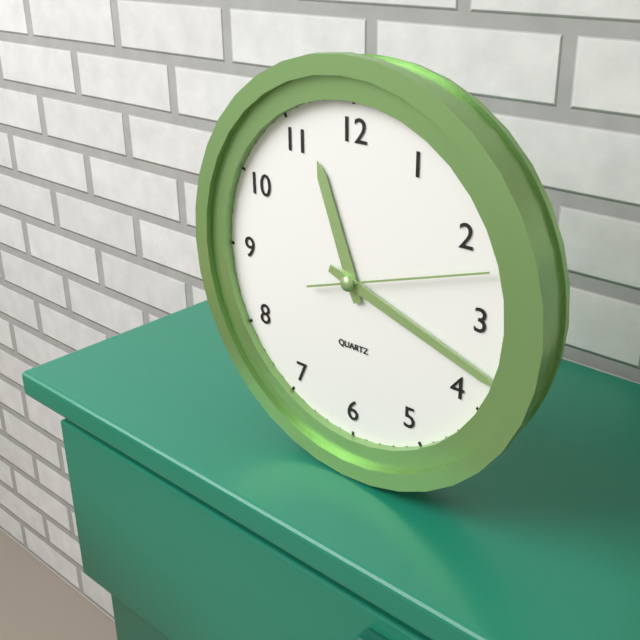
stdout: 11:18:12
